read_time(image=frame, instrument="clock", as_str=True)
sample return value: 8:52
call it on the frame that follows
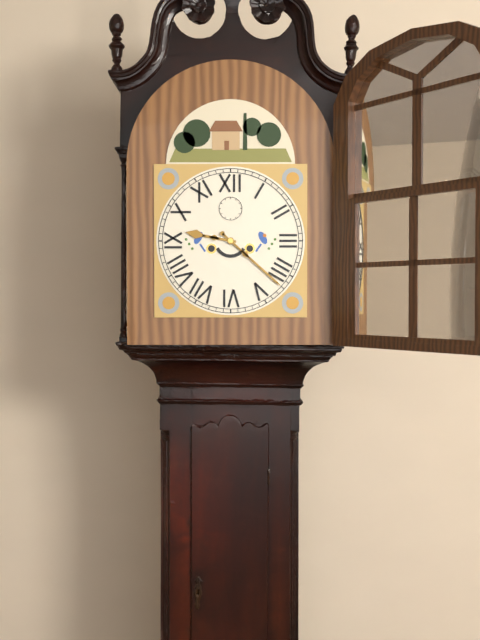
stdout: 9:22
